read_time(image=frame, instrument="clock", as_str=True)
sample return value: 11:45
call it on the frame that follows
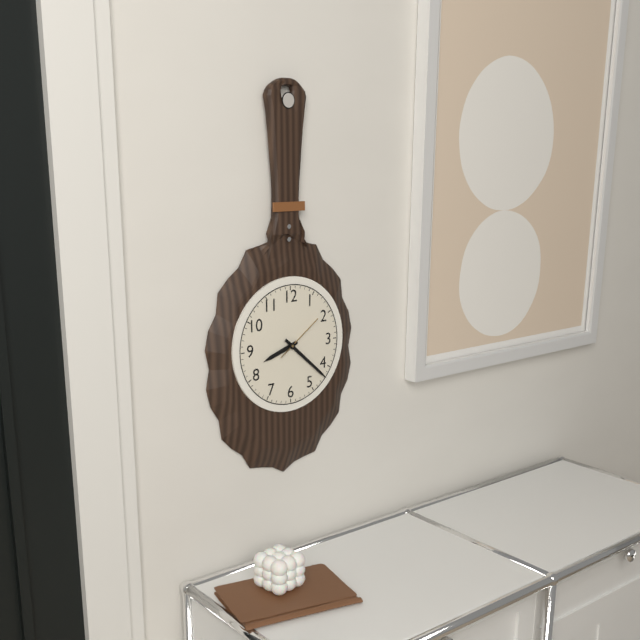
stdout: 8:22
